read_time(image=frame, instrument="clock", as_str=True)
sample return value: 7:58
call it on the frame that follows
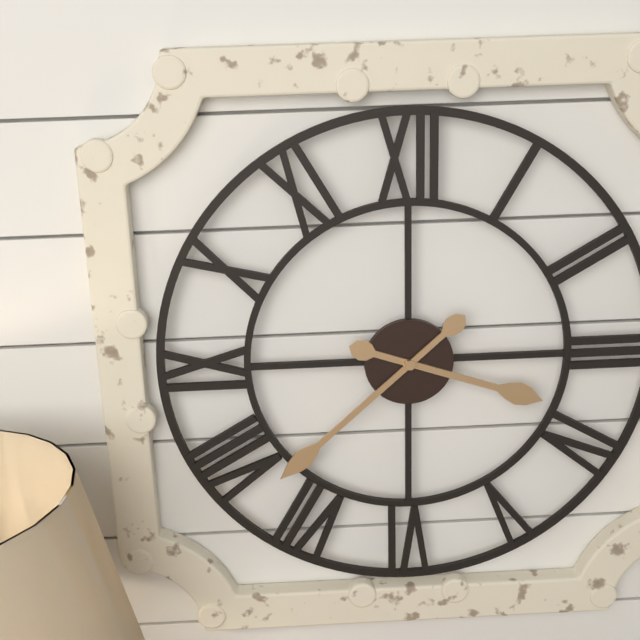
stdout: 3:38
